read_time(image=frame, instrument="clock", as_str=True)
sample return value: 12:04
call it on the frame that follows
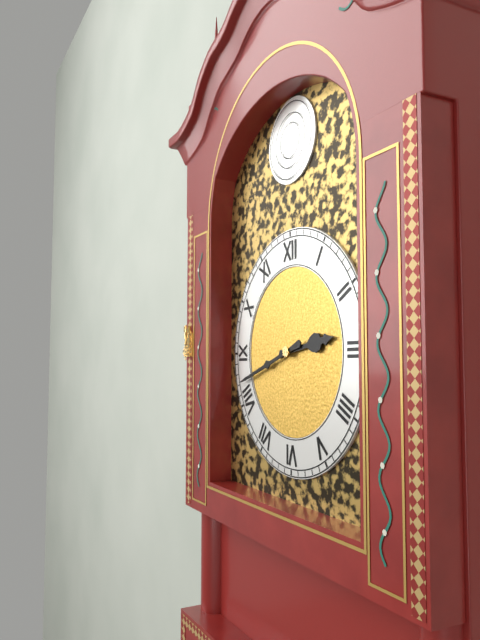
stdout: 2:42
